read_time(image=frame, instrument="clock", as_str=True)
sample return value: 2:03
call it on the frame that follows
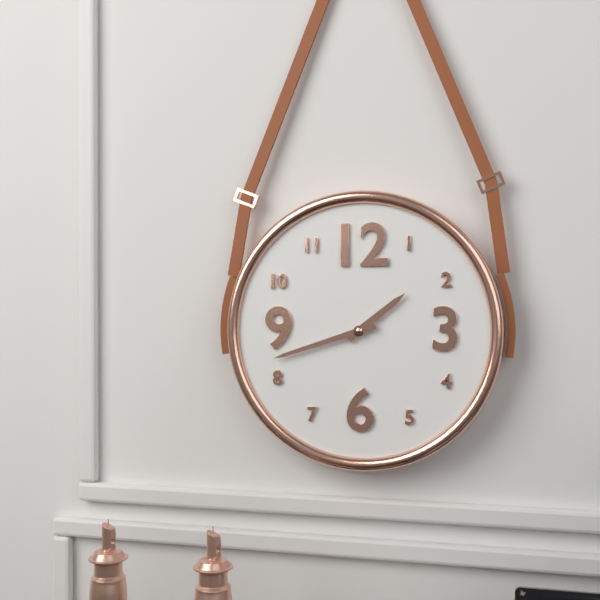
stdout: 1:42
